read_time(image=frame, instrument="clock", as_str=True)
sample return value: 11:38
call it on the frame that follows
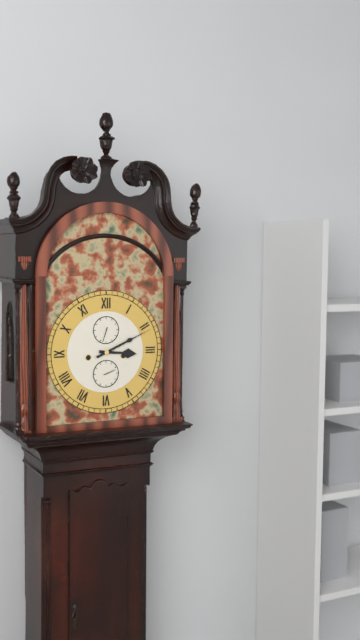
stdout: 3:11
